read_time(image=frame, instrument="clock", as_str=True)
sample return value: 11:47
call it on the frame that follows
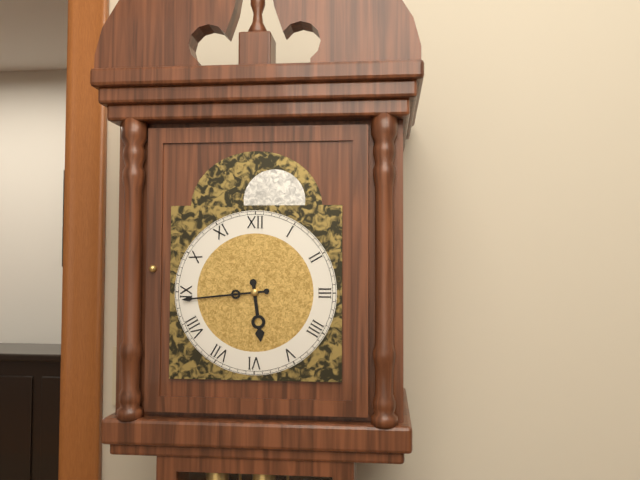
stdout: 5:44
